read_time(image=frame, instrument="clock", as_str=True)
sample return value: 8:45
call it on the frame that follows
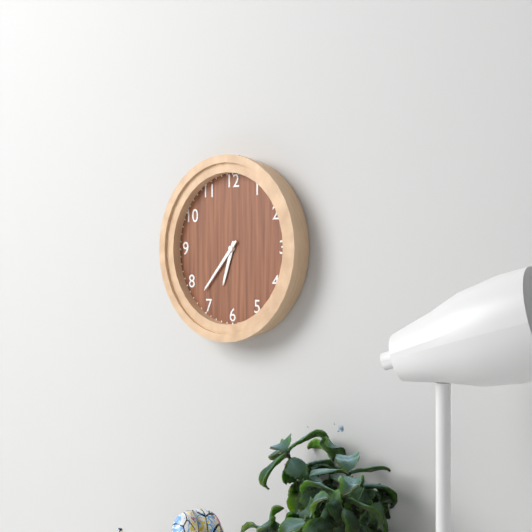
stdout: 6:37
